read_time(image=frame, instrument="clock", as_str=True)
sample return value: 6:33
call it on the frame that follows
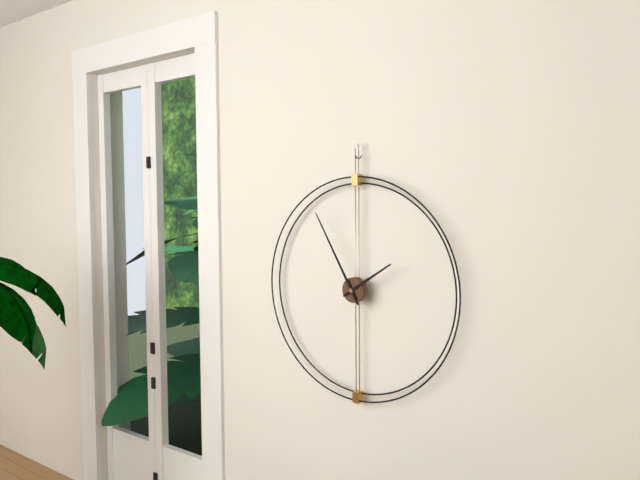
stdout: 1:55
